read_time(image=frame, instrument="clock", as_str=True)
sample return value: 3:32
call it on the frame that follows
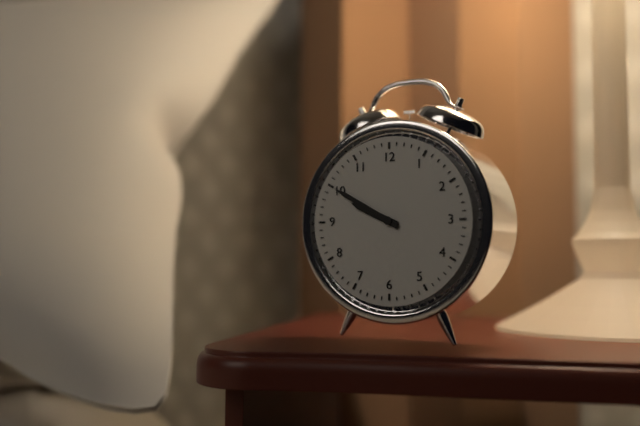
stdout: 9:50
